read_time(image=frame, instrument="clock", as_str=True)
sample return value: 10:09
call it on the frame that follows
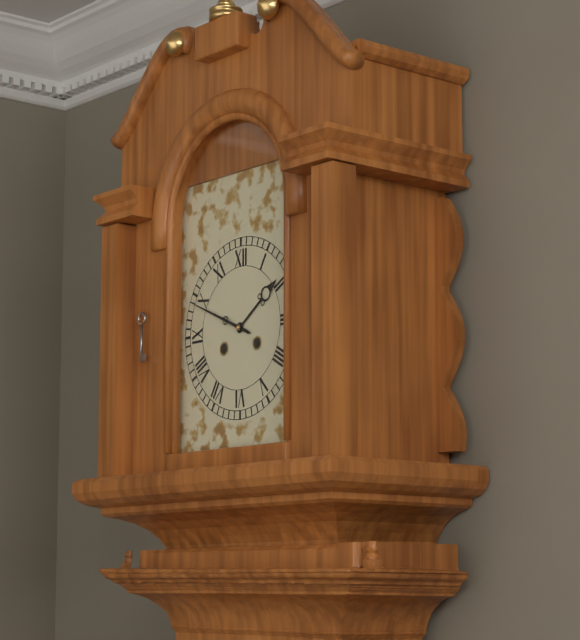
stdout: 1:49
